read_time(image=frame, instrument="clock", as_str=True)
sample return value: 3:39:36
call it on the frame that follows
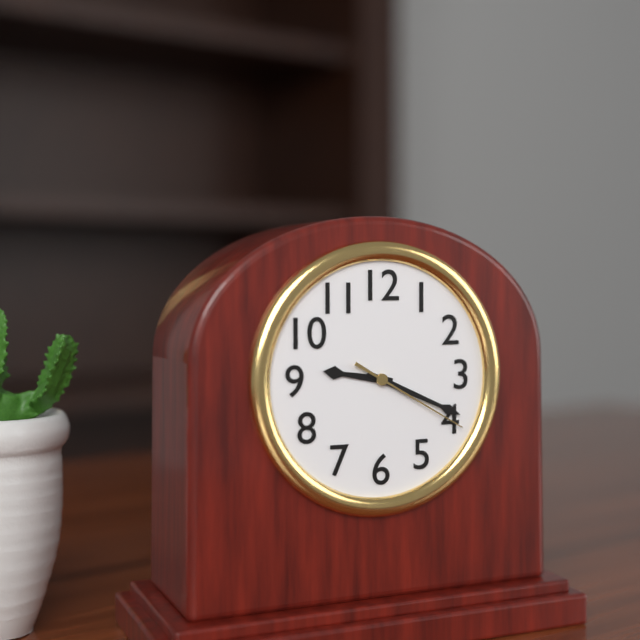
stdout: 9:19:20
